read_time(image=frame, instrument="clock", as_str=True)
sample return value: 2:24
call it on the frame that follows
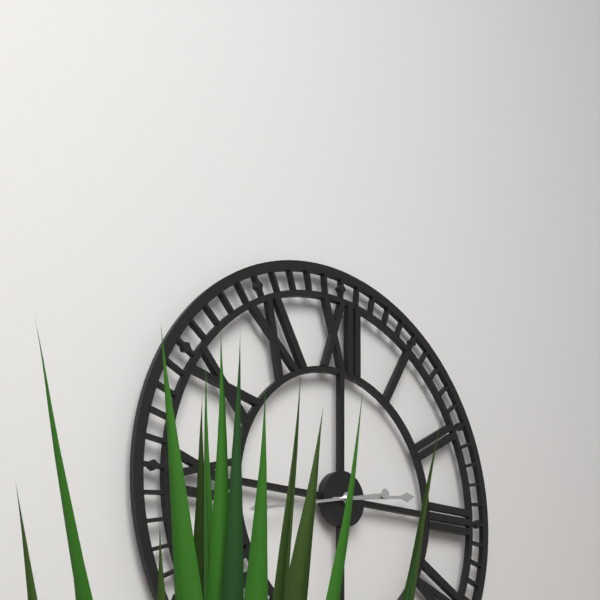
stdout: 2:43
